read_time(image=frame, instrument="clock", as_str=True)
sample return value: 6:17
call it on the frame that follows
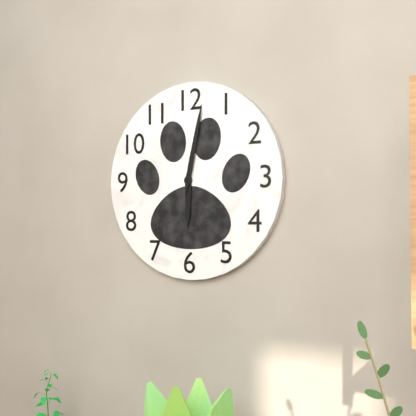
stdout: 6:02
